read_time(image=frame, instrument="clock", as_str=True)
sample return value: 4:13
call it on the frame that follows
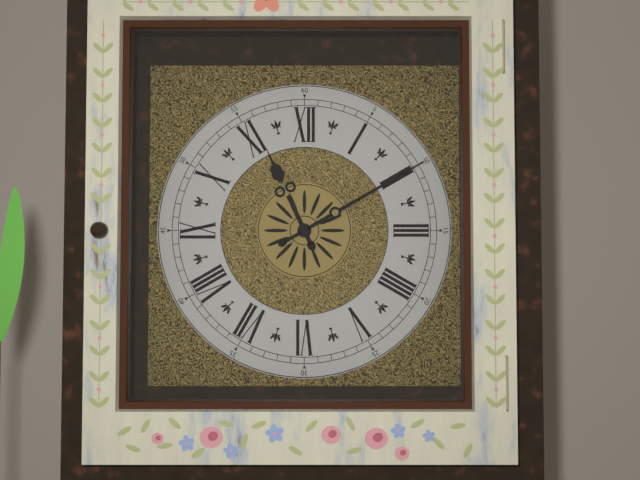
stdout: 11:10
